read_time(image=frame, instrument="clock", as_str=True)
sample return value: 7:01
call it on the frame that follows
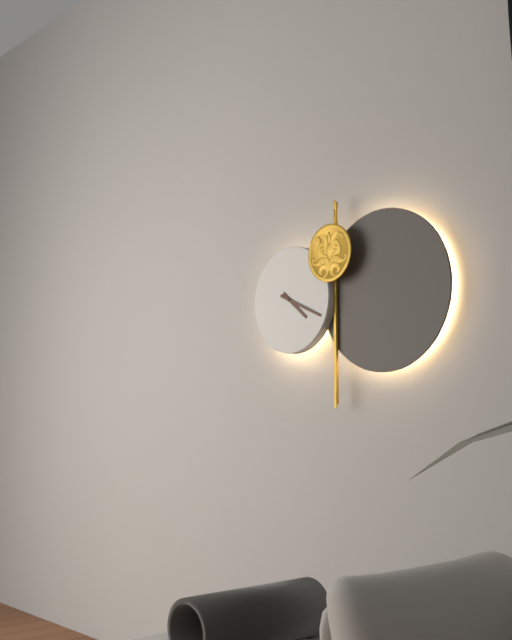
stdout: 4:19
